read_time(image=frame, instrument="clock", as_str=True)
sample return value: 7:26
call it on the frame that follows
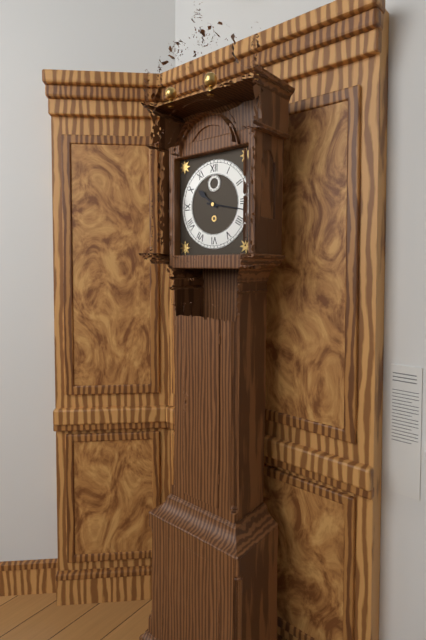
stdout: 10:17
